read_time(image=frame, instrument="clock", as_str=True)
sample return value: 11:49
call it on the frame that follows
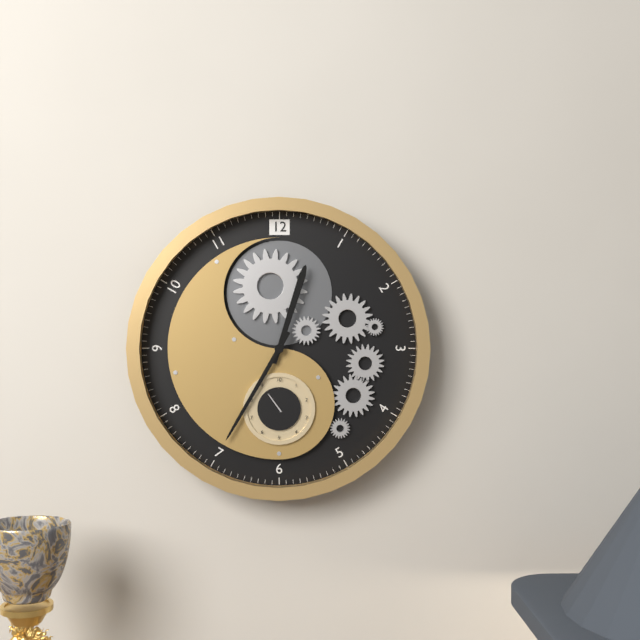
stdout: 12:35
